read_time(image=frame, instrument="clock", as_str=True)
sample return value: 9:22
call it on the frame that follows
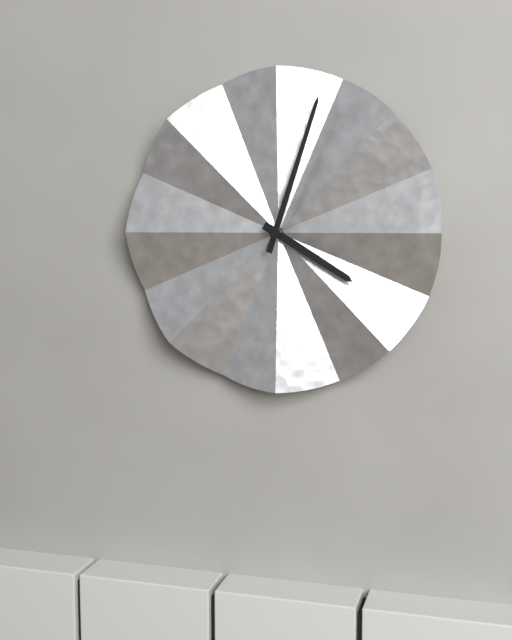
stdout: 4:03
